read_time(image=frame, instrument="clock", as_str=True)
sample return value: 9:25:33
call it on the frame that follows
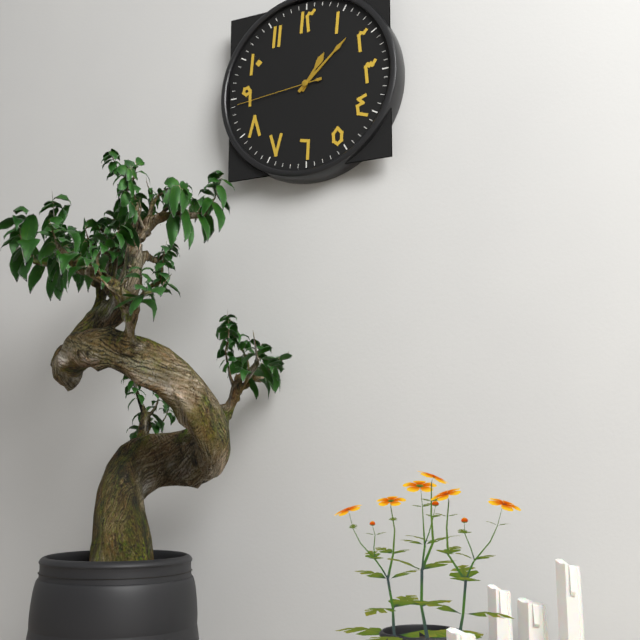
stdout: 1:08:44
